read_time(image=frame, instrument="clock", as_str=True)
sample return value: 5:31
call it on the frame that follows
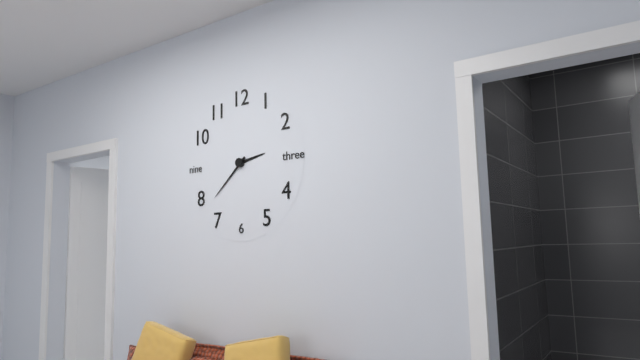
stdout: 2:38
